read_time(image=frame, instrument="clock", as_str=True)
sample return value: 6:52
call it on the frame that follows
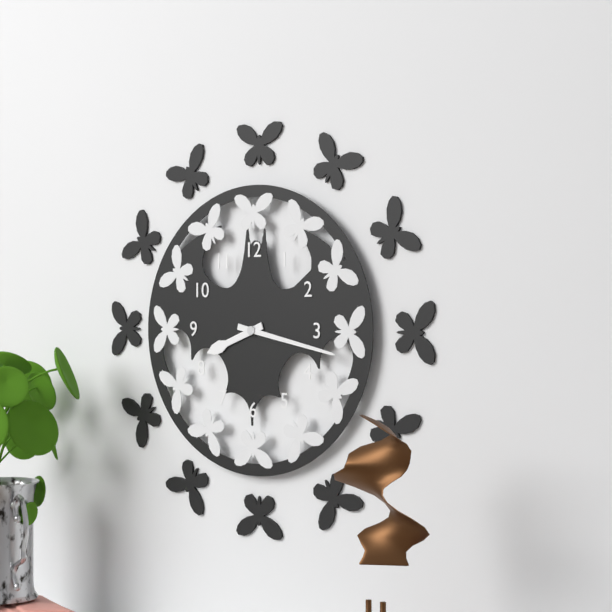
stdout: 8:17
